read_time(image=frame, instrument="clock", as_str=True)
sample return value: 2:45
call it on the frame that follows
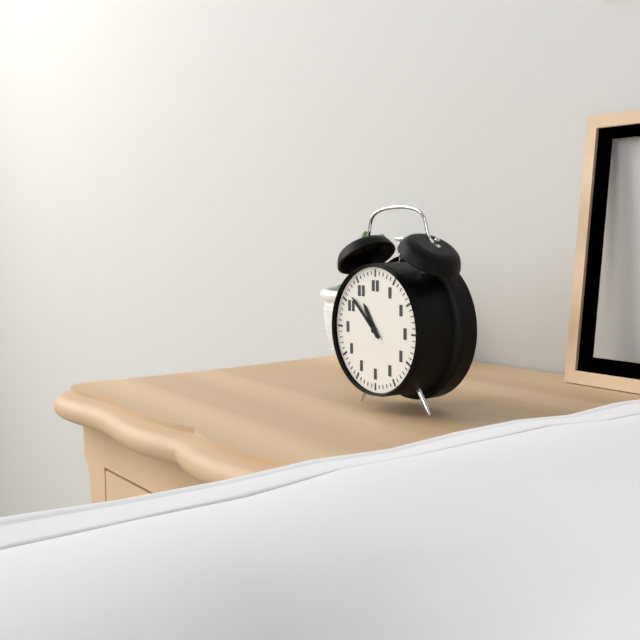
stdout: 10:52
